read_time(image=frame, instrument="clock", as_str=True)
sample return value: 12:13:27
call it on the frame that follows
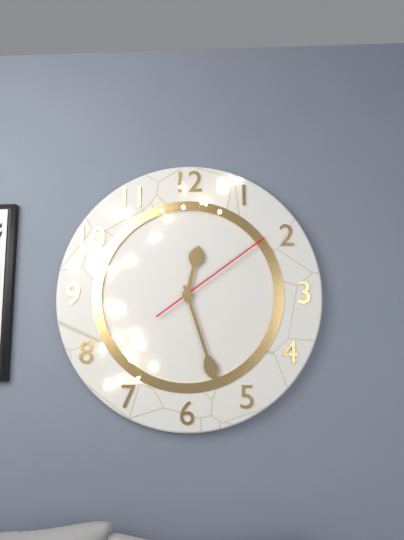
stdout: 12:27:09
